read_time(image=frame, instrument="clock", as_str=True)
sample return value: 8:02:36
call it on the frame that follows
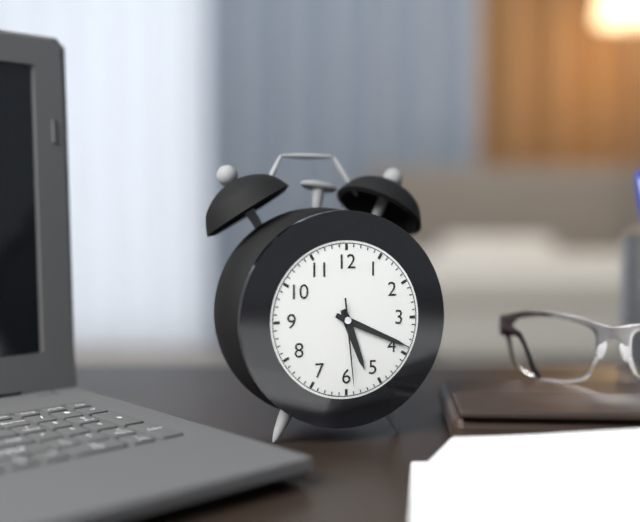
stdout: 5:19:29
